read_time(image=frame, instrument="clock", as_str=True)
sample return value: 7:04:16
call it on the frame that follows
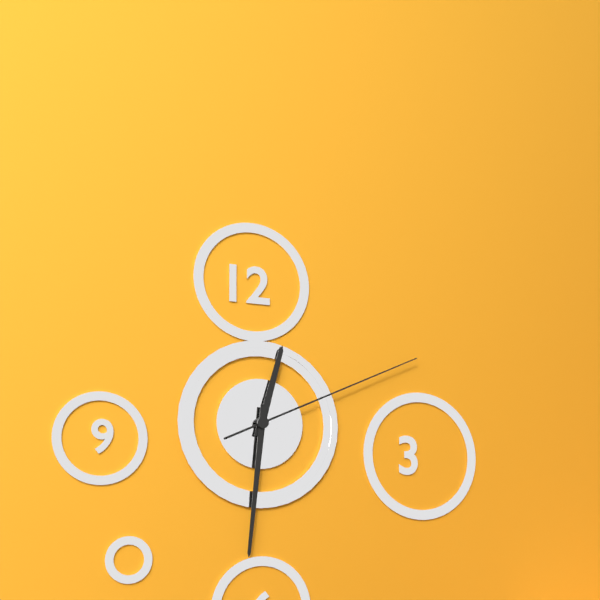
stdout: 12:31:11
